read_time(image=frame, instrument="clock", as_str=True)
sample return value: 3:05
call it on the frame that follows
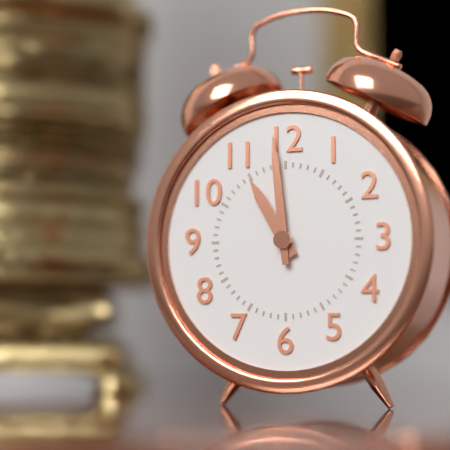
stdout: 10:59
